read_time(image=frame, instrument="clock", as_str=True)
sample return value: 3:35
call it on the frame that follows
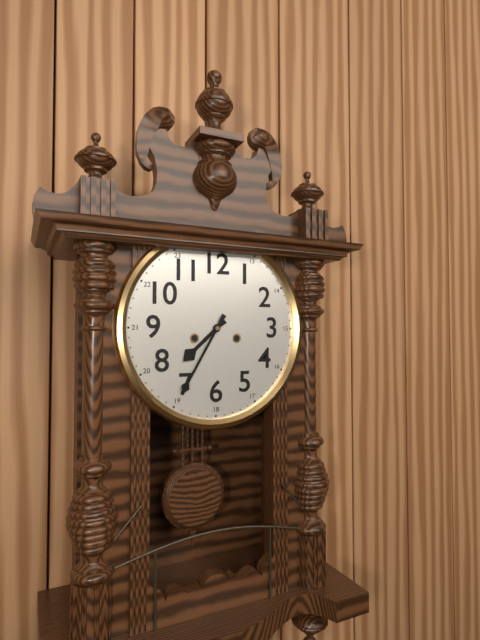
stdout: 7:35
